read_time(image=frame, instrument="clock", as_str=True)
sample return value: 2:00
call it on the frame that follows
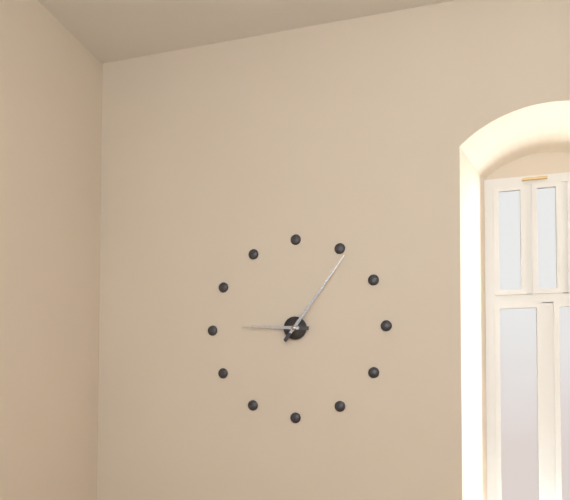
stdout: 9:06
